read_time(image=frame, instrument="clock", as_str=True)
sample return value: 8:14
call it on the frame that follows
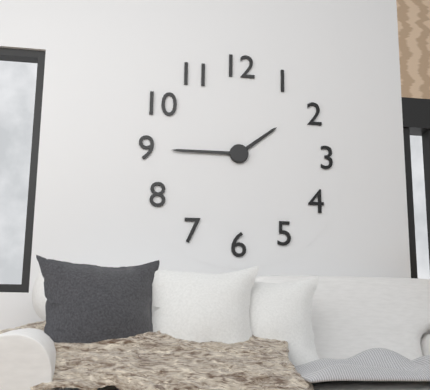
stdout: 1:45
